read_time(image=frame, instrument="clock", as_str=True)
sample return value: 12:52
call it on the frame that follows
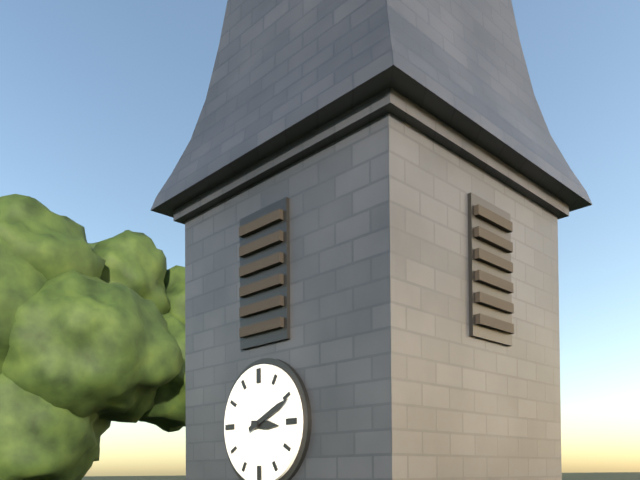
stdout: 3:11
